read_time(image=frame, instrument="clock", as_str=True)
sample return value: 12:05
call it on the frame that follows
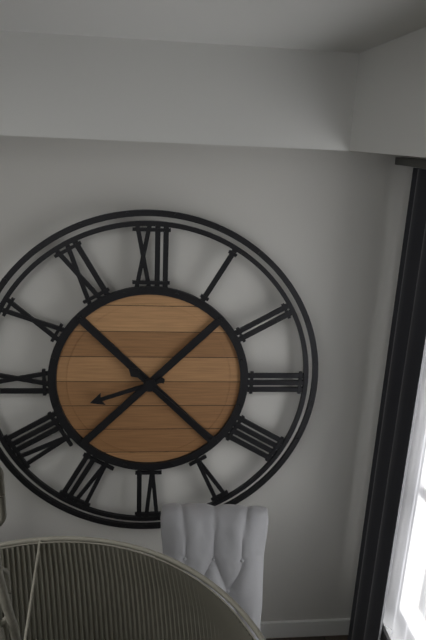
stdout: 8:22
